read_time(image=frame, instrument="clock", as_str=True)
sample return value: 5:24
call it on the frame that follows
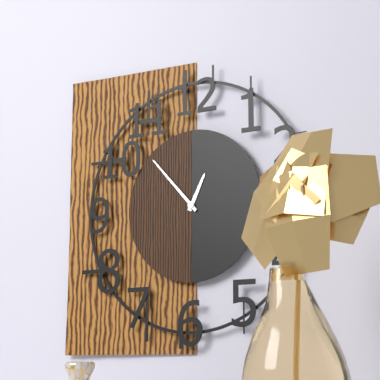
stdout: 12:53
